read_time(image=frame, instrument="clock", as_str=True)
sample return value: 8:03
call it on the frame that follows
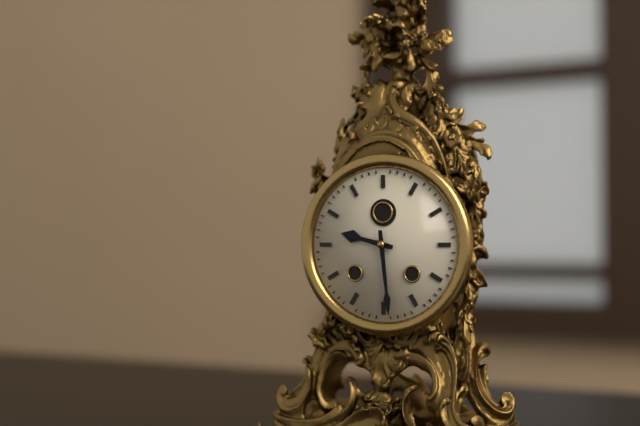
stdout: 9:29
